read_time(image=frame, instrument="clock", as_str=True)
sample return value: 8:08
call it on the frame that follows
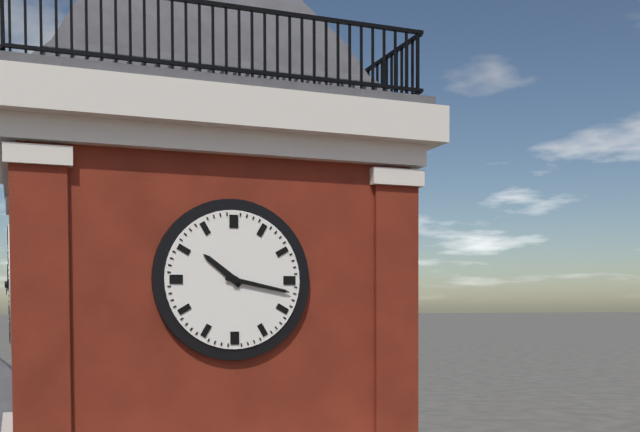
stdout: 10:17
